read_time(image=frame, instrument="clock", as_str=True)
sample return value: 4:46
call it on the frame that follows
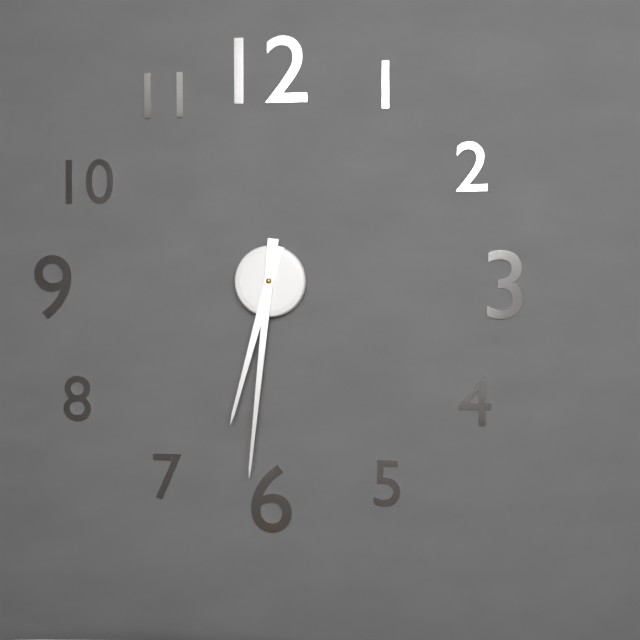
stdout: 6:31
